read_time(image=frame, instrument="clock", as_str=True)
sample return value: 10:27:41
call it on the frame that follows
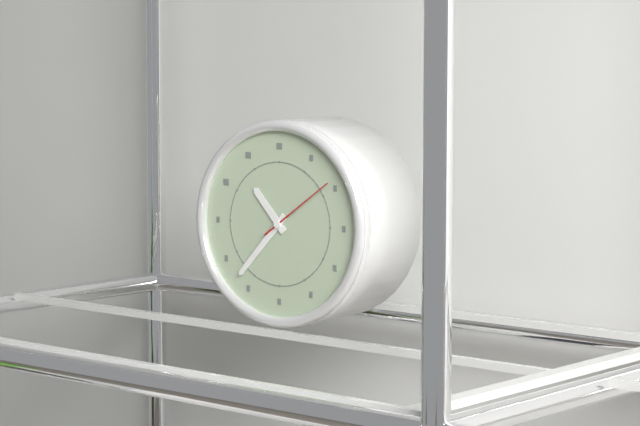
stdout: 10:37:09
